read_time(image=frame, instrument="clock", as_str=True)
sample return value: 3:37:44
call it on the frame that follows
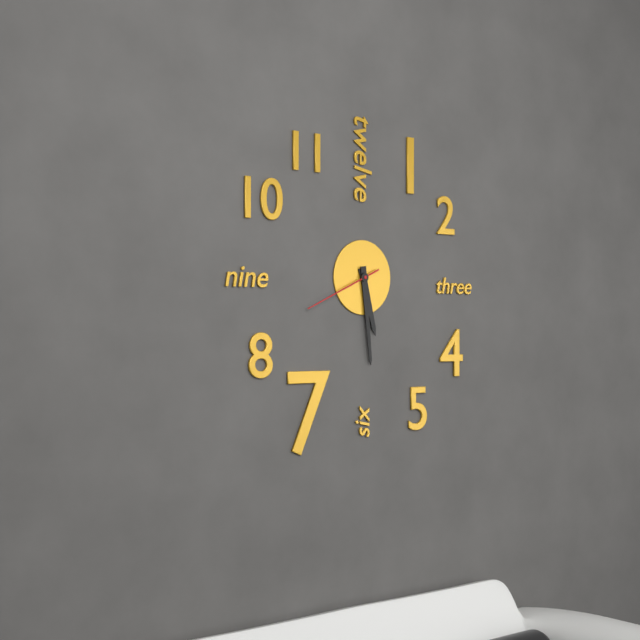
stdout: 5:29:41
